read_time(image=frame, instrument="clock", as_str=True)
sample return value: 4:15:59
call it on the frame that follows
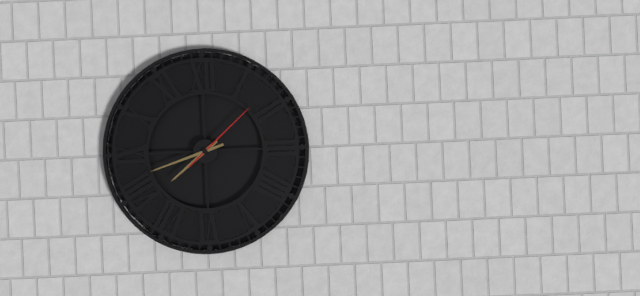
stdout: 7:42:08
